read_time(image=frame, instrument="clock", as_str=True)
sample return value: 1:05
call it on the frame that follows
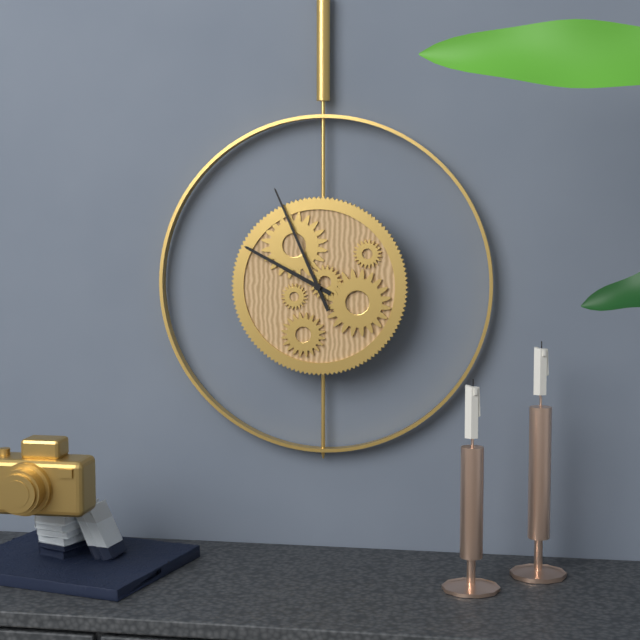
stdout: 9:56
